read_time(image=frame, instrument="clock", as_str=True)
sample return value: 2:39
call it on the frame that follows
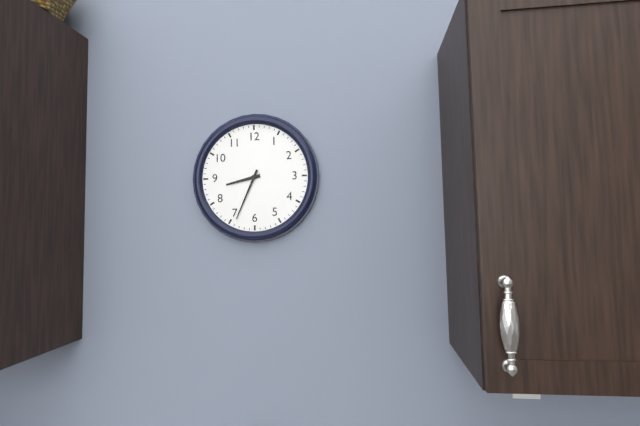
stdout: 8:34
